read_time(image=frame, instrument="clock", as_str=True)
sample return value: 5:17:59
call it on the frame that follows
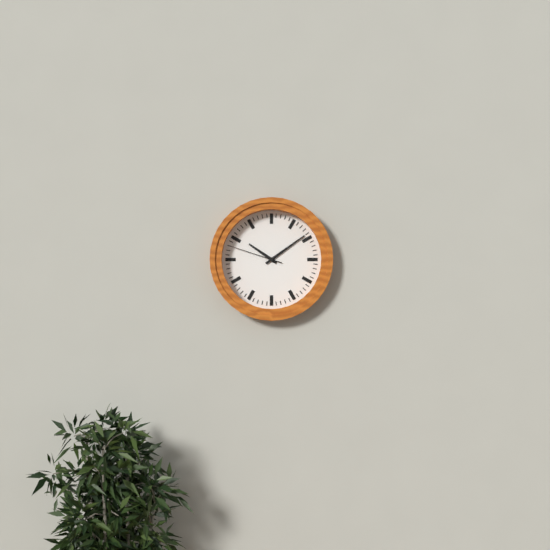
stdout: 10:09:48
